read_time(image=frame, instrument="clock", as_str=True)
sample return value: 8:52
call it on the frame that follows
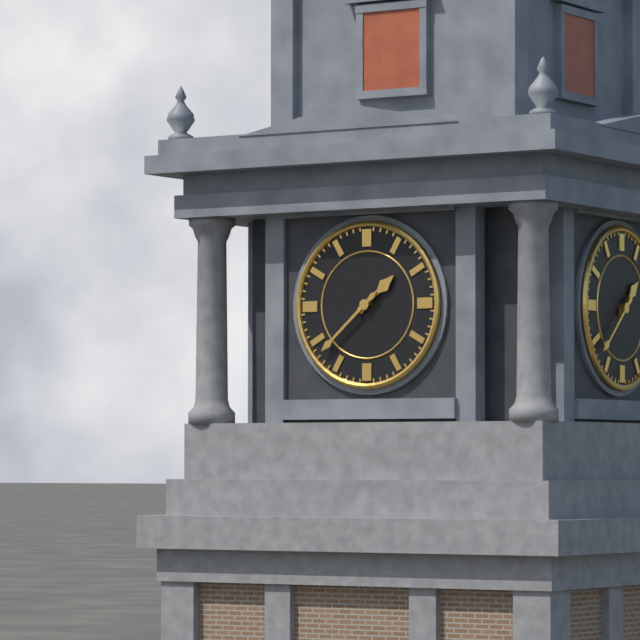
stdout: 1:38
